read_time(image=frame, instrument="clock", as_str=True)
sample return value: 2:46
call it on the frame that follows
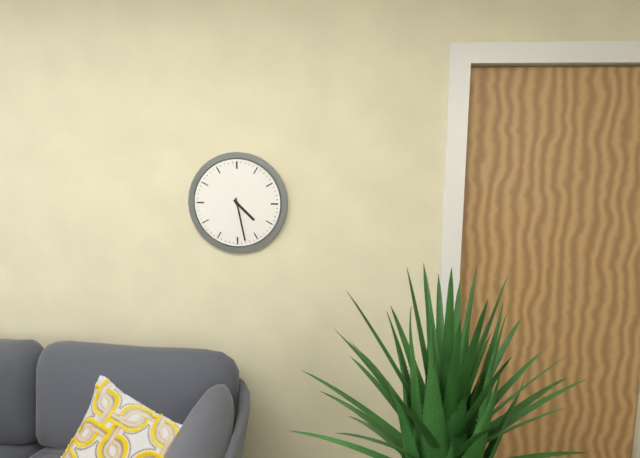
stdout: 4:28
